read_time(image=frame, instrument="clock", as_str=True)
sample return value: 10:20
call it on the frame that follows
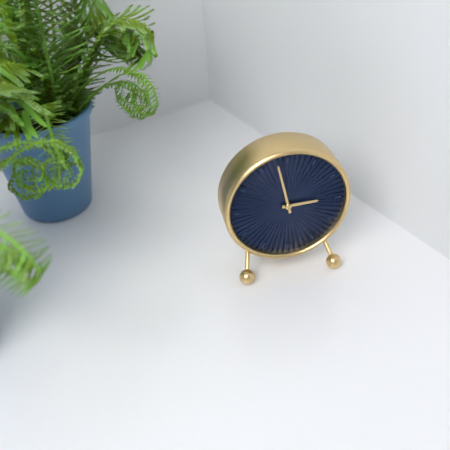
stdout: 2:58
